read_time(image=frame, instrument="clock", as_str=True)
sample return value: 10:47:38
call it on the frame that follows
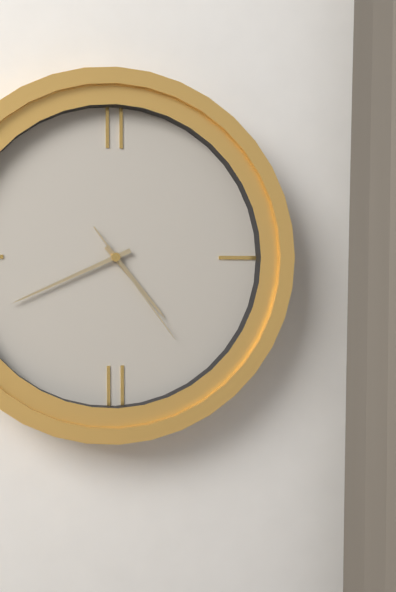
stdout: 4:41:24
